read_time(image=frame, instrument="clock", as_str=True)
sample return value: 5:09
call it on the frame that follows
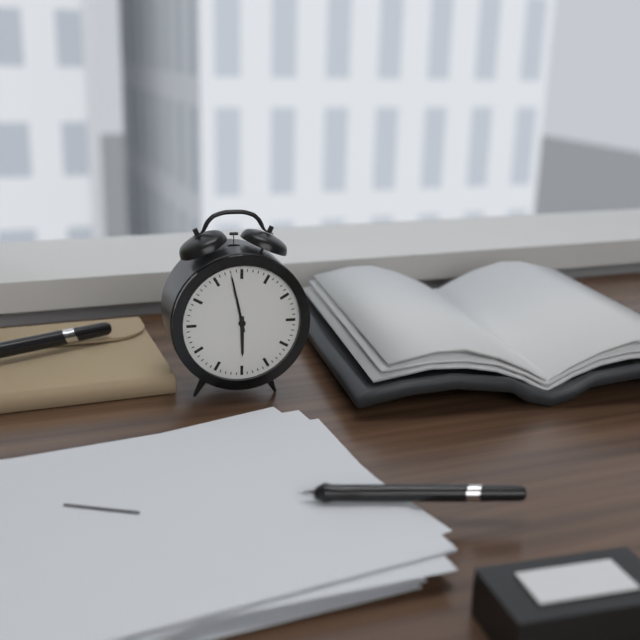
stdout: 5:58
